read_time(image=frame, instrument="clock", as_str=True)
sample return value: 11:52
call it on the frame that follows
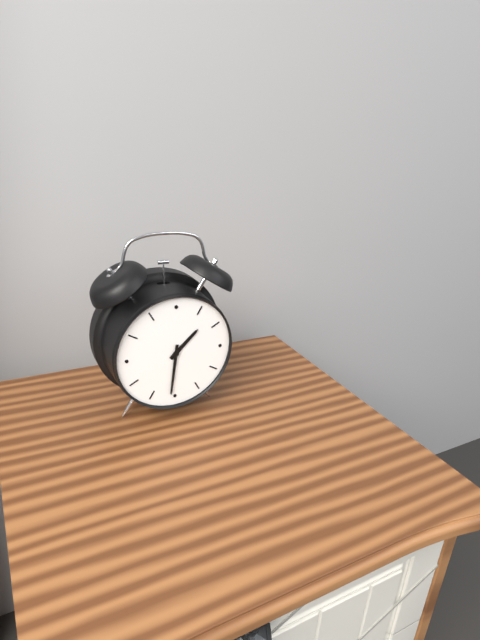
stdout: 1:31
